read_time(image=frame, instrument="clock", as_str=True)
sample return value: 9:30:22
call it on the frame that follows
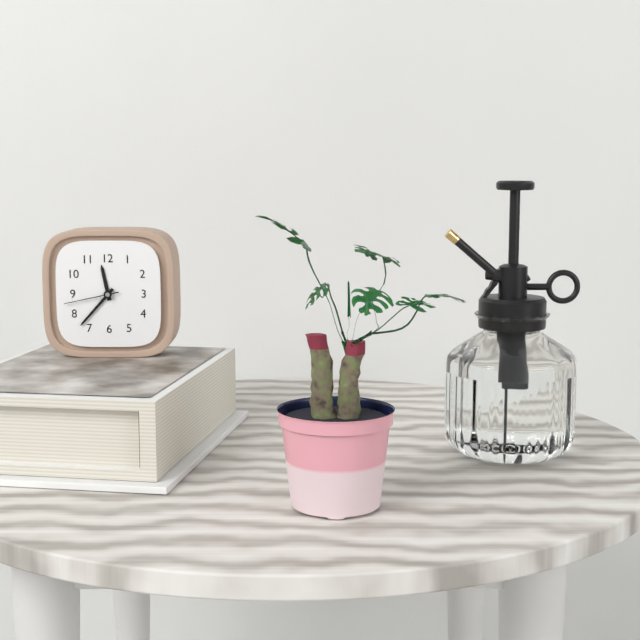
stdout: 11:37:43
